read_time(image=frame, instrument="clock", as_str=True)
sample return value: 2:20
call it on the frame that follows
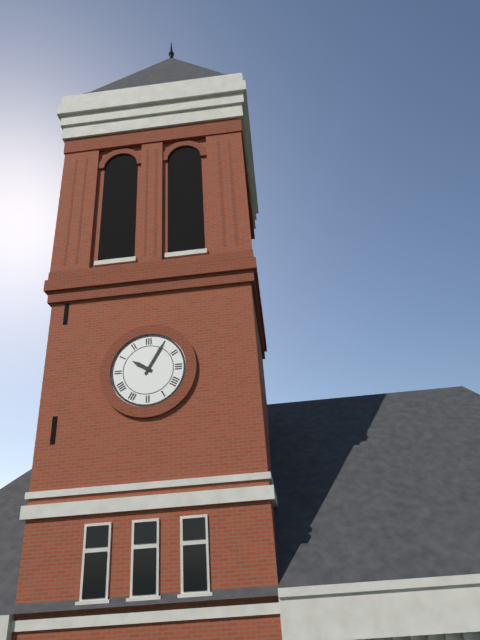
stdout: 10:05
